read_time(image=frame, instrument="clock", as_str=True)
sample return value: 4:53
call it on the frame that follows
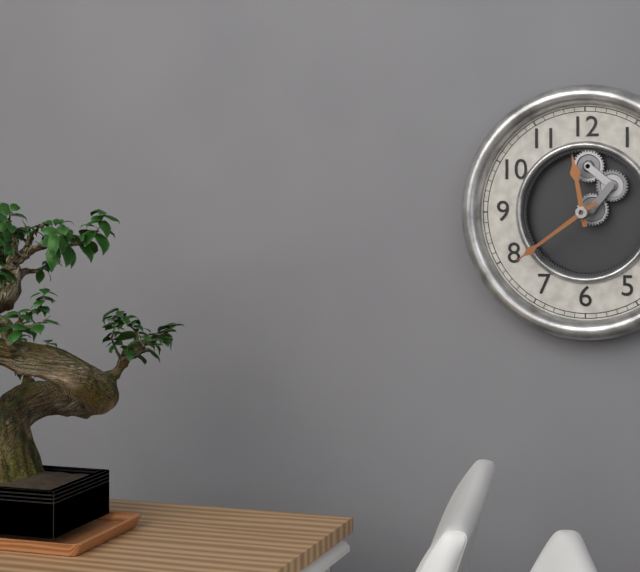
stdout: 11:39
